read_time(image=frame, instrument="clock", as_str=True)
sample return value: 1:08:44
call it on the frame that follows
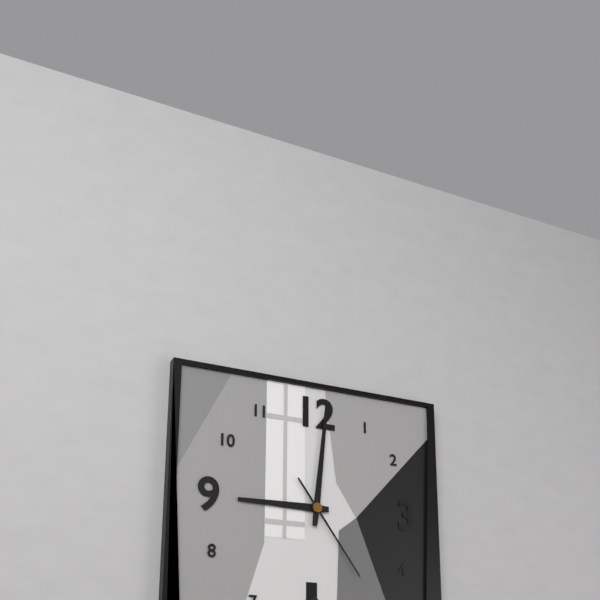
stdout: 9:01:24
